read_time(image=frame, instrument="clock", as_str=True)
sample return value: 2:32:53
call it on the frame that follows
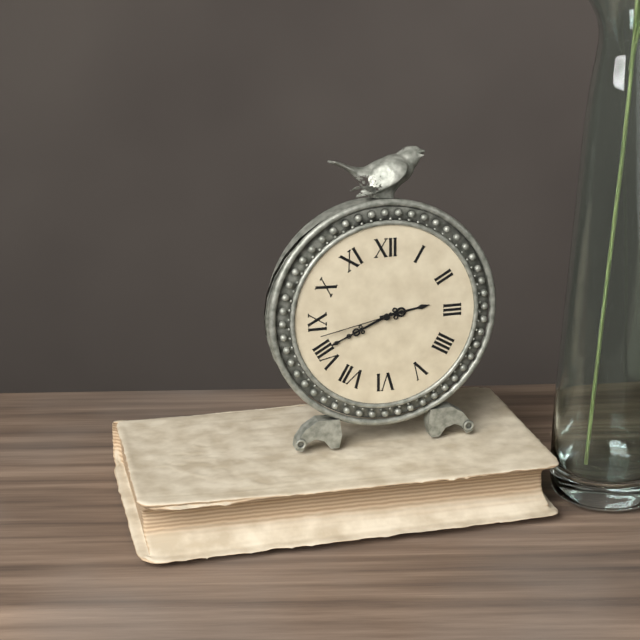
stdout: 2:41:43
